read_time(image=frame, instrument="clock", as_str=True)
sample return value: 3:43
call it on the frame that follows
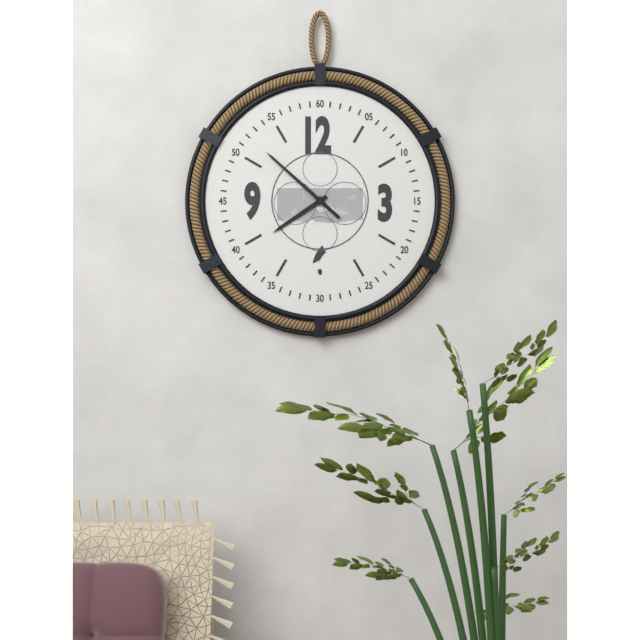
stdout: 7:52
